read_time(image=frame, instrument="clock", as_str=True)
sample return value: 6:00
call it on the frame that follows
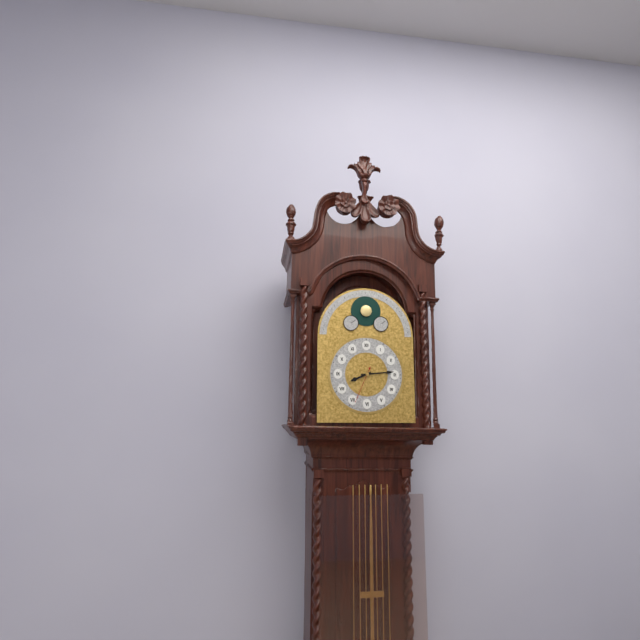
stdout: 8:14
